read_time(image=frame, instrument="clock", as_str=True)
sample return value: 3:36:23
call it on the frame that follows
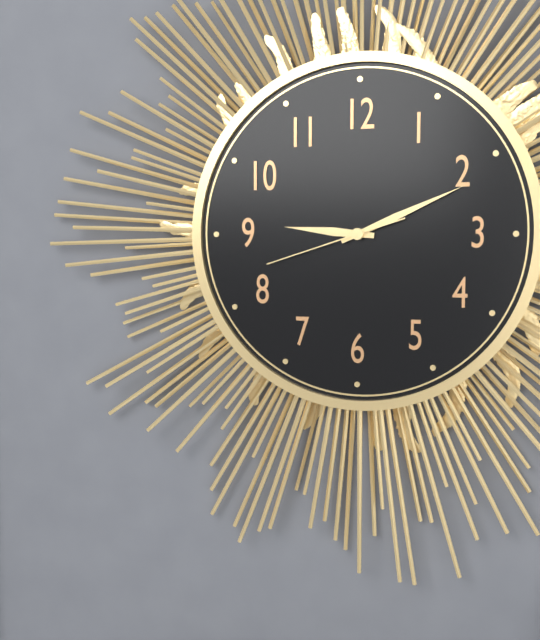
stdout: 9:11:42
